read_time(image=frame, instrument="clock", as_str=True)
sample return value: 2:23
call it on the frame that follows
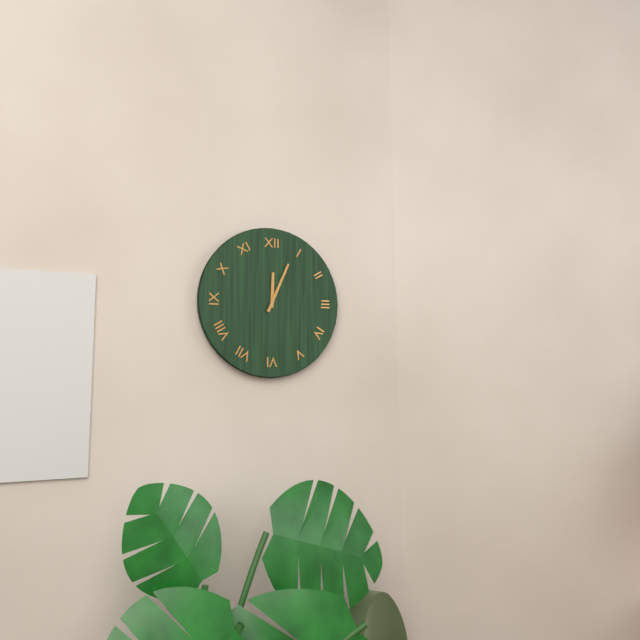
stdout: 12:04
